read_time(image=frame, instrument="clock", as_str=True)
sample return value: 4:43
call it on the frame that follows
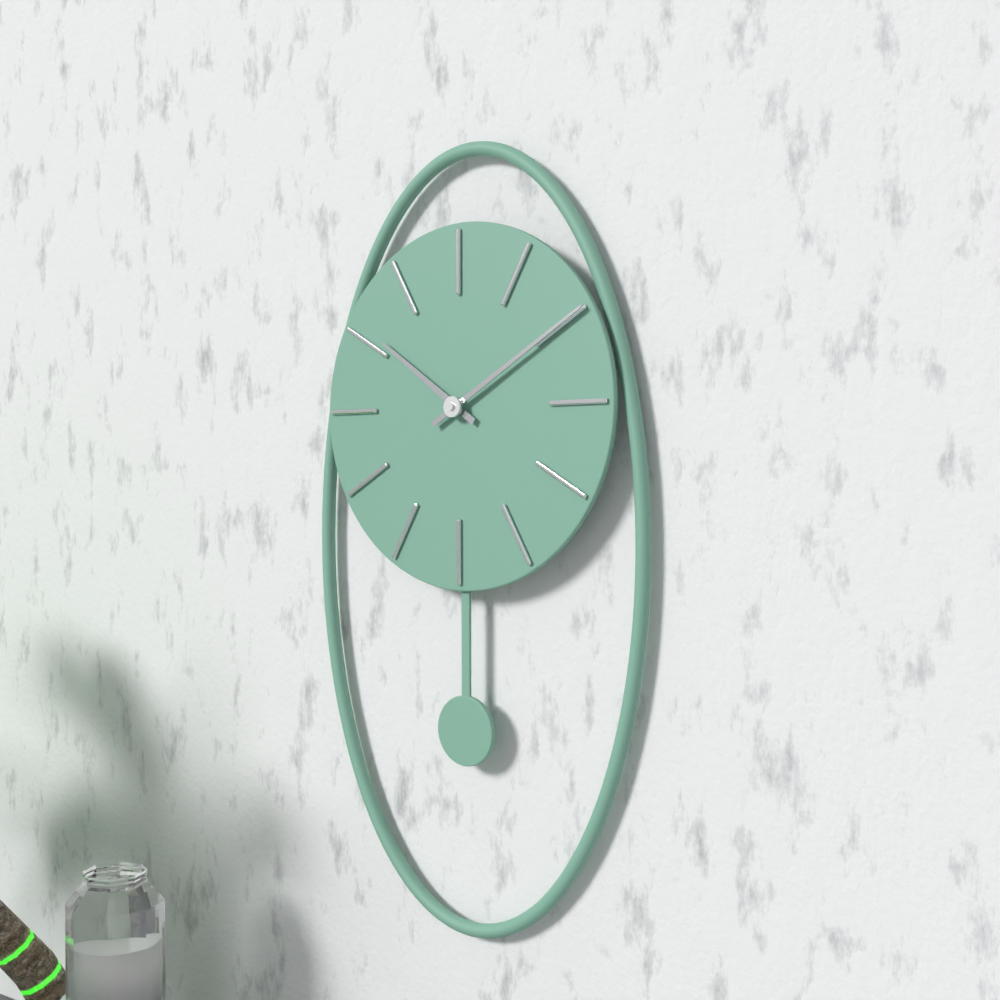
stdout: 10:10
